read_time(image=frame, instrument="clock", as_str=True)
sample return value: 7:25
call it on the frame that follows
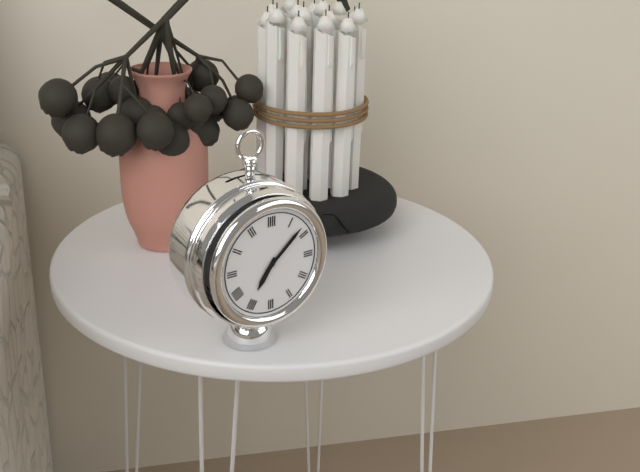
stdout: 7:08
